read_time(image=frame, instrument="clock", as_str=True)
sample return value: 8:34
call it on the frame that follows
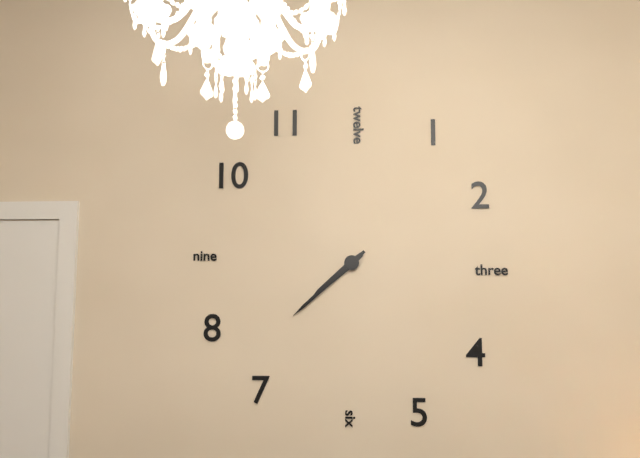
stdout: 7:38
